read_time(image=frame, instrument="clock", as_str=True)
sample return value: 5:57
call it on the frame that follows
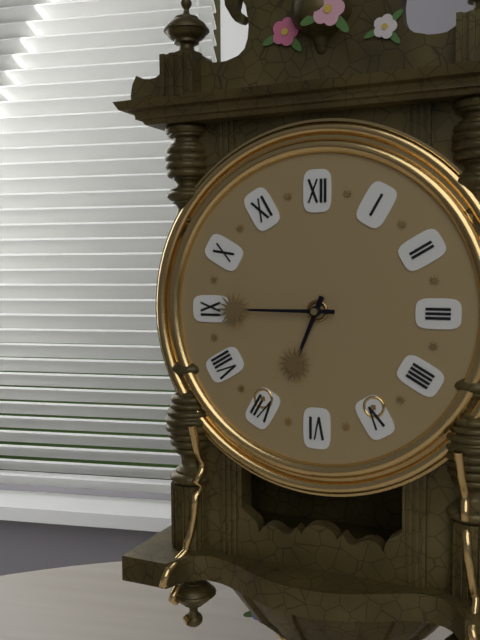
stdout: 6:45
